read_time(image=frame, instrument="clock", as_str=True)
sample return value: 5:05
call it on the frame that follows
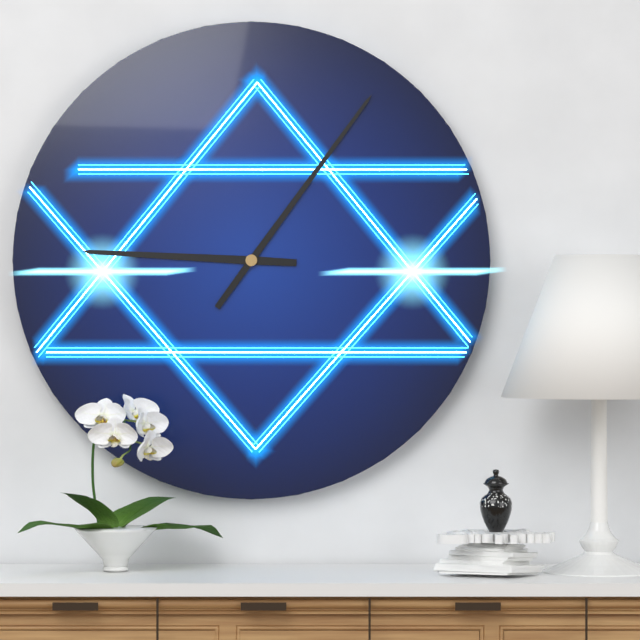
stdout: 9:06
